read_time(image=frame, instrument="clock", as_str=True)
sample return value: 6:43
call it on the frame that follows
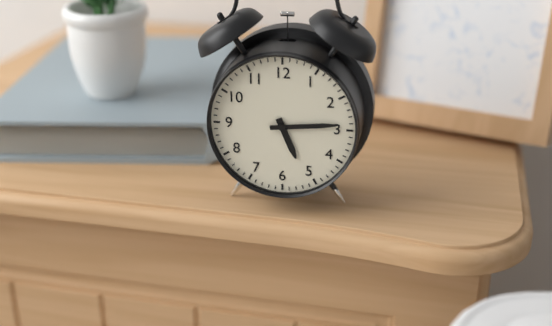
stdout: 5:14
